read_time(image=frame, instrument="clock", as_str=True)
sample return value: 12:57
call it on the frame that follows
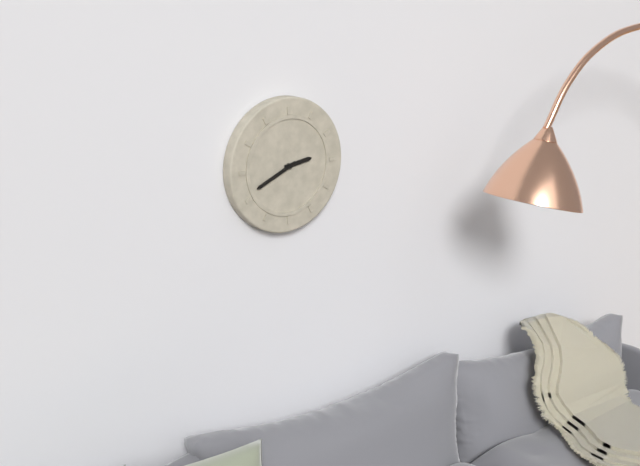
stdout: 2:41
